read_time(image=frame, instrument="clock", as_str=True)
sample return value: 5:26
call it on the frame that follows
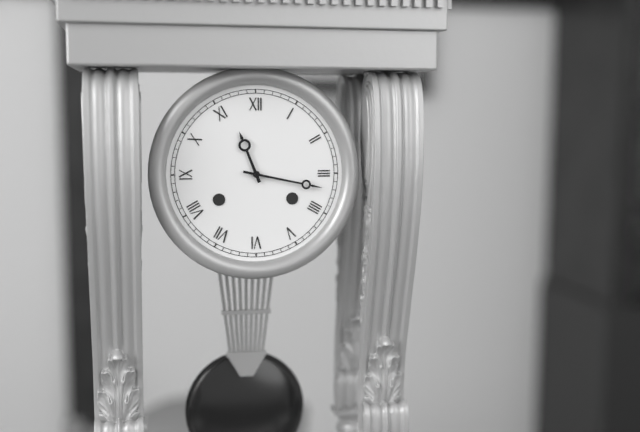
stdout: 11:17
